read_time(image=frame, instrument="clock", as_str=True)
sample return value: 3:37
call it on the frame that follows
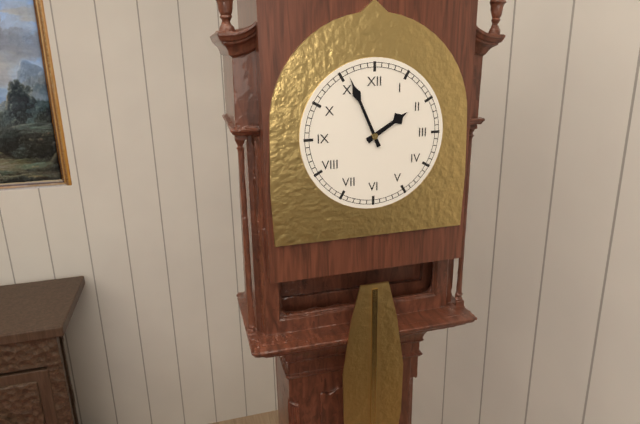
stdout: 1:56
